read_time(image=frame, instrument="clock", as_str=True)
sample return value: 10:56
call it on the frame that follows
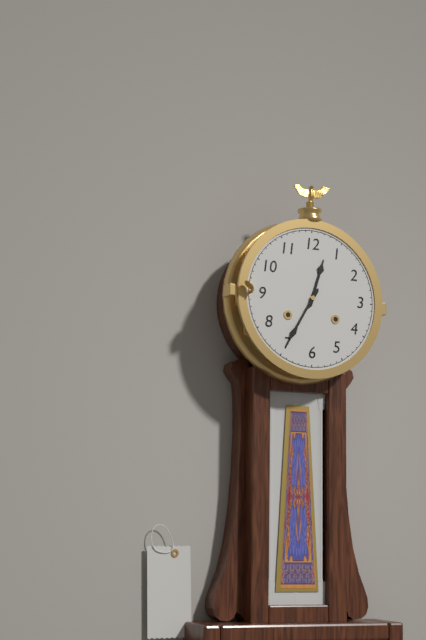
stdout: 12:35
